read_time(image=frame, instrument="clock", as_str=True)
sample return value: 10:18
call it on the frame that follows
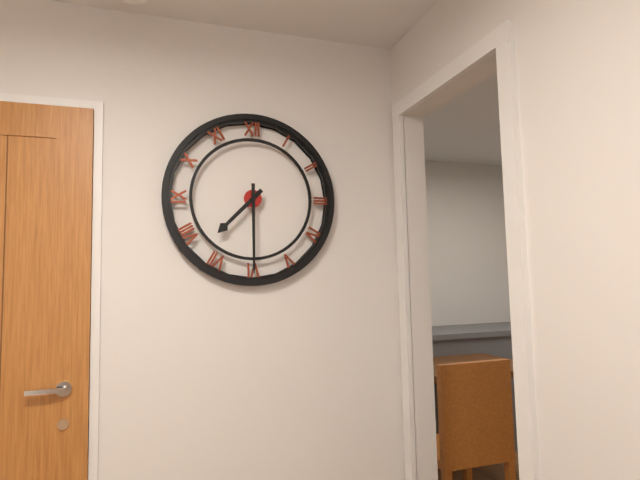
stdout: 7:30
